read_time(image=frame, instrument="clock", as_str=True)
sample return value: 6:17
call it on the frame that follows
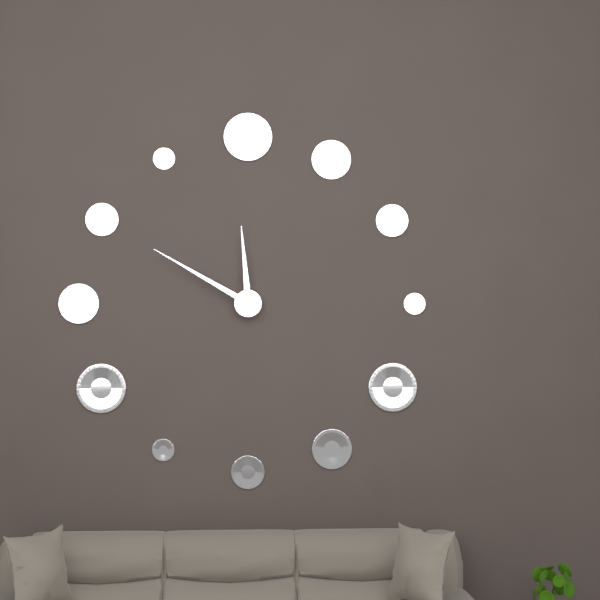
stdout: 11:50
